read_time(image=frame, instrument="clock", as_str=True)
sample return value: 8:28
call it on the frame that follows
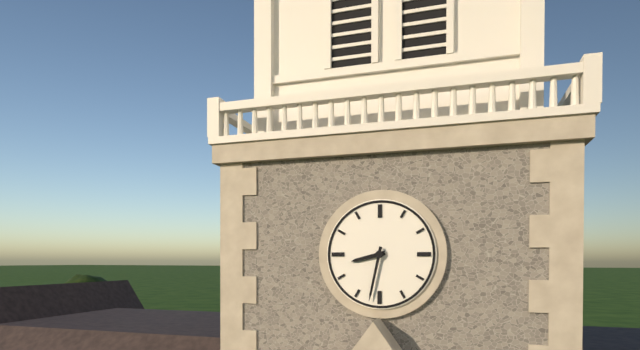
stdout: 8:32
